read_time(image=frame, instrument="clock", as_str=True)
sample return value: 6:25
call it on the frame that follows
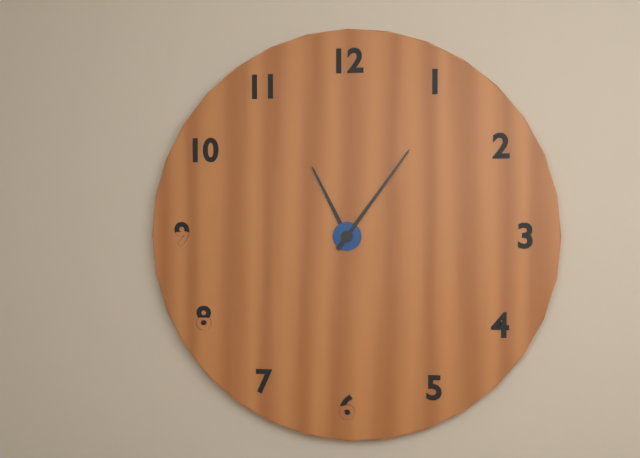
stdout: 11:06
